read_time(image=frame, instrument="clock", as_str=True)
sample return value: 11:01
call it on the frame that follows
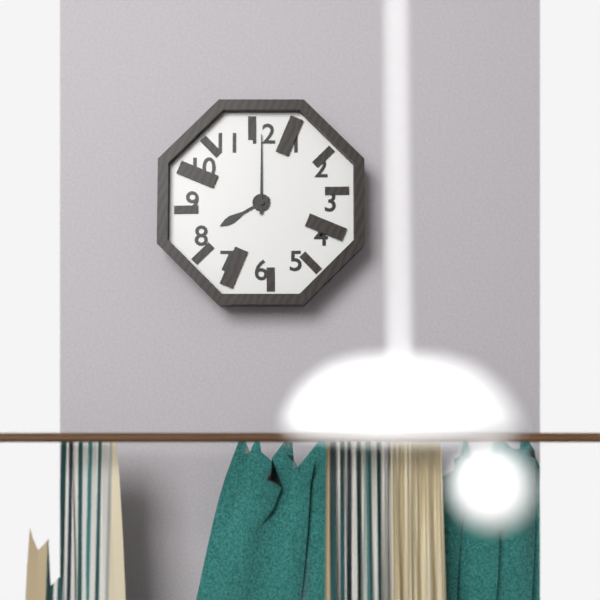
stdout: 8:00
